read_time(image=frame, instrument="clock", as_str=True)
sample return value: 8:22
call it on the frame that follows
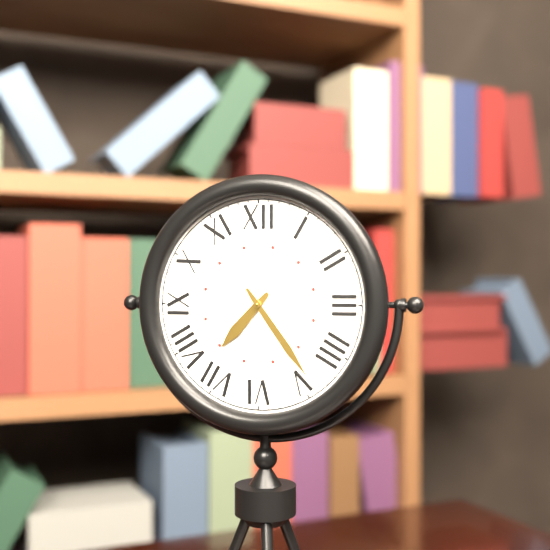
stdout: 7:24
